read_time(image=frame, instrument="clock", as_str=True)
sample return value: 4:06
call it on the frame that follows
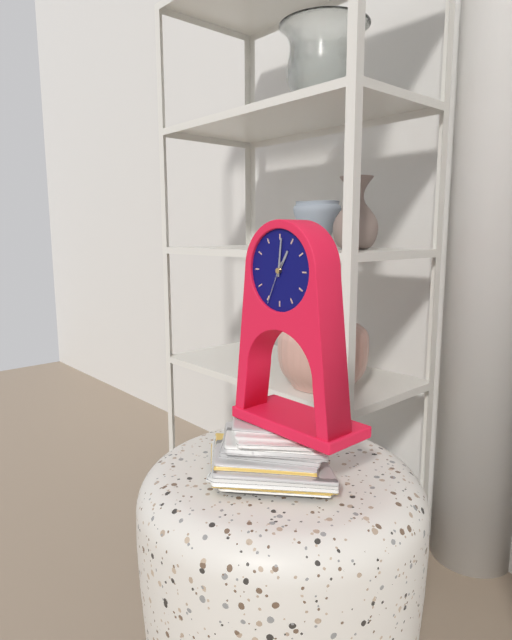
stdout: 1:01
